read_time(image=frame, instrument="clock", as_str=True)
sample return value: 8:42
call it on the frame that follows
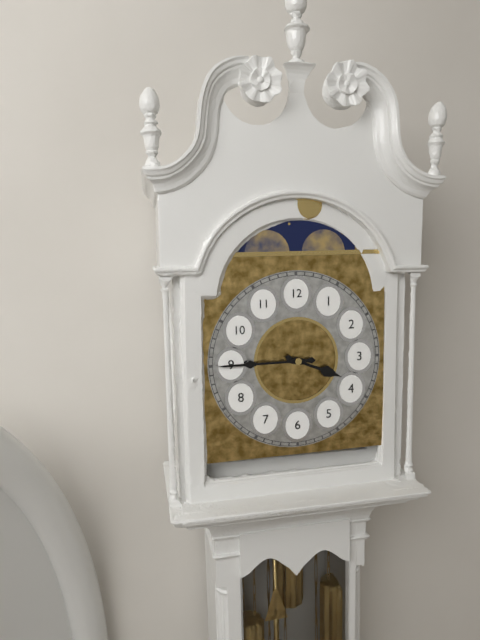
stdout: 3:45
